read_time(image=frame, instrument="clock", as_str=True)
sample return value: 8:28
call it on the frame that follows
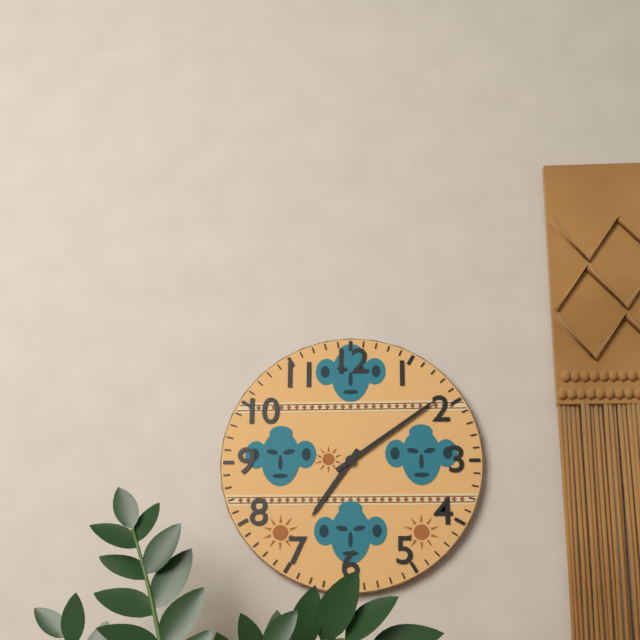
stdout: 7:09
